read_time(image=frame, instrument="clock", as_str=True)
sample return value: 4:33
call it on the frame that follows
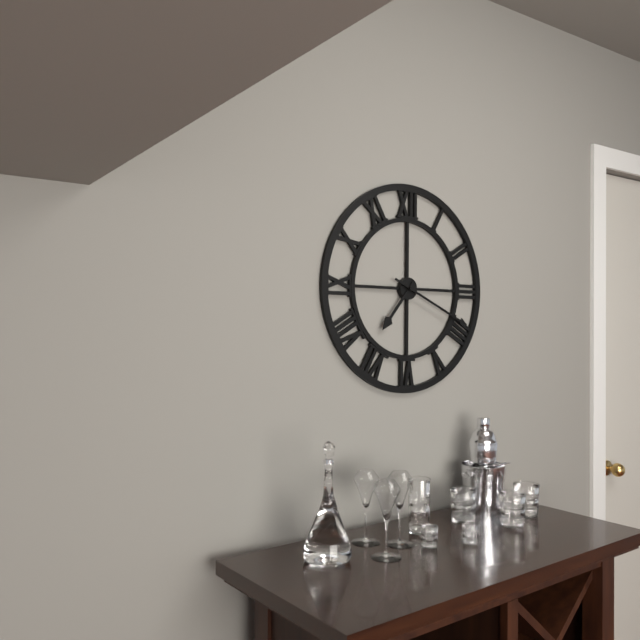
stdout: 7:19
